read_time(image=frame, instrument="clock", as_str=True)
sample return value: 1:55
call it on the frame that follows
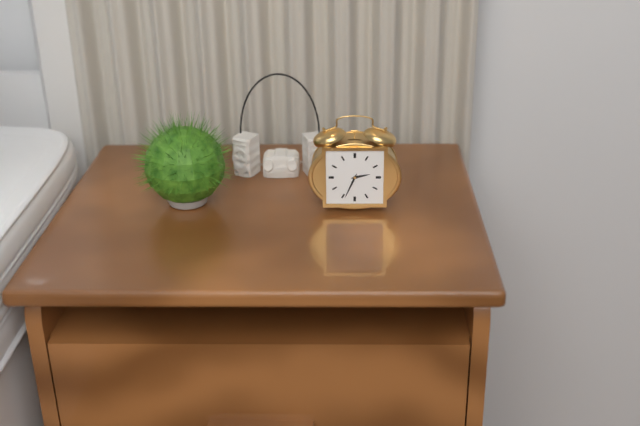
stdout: 2:34
